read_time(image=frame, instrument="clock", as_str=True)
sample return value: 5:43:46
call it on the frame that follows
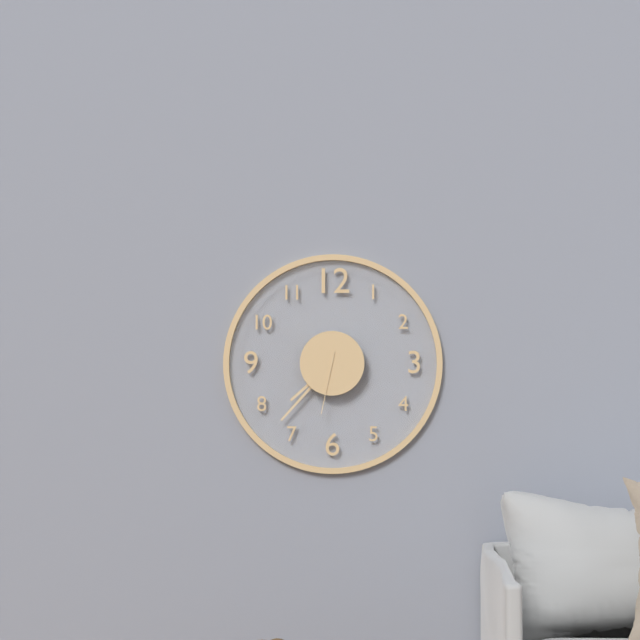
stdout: 7:37:32
